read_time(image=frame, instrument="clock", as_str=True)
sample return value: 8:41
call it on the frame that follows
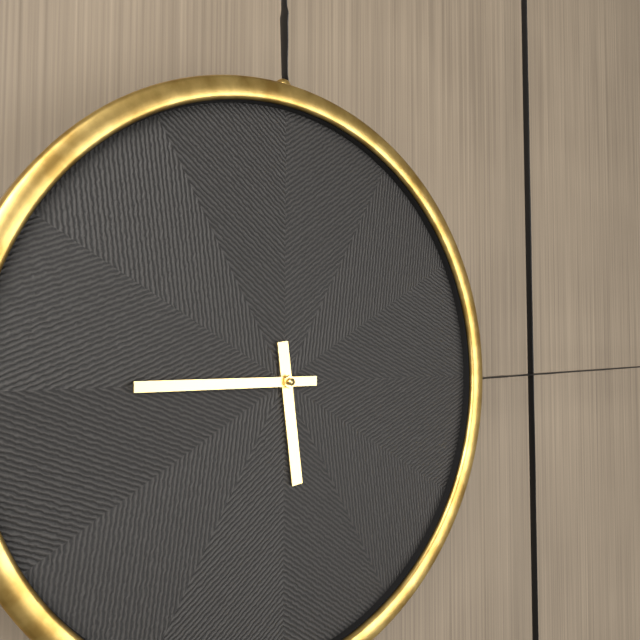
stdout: 5:45
